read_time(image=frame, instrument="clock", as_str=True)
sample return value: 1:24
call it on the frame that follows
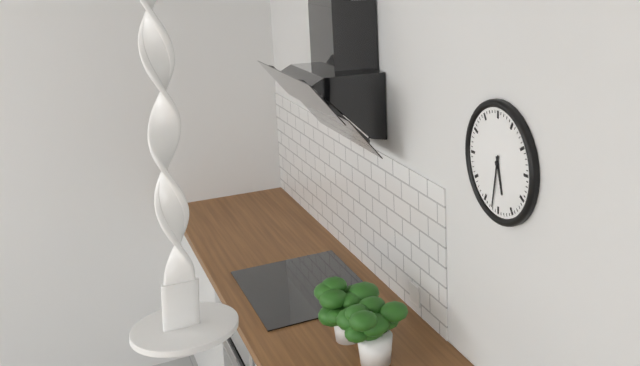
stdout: 5:32
